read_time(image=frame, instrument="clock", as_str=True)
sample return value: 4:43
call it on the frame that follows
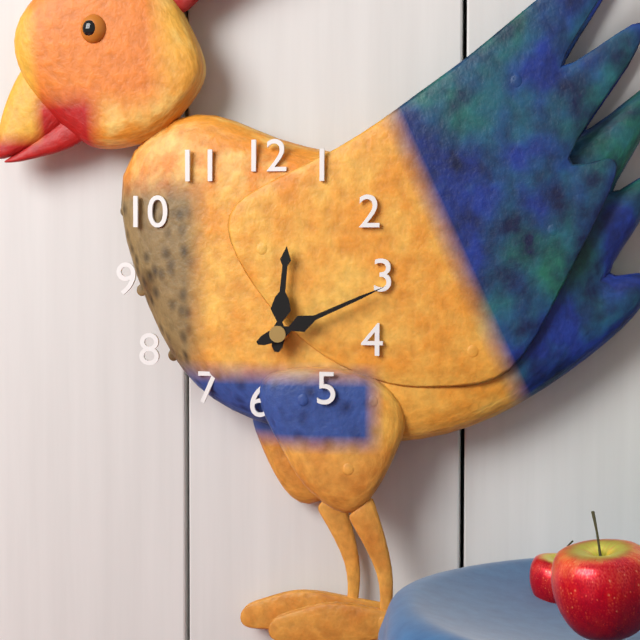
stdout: 12:11
